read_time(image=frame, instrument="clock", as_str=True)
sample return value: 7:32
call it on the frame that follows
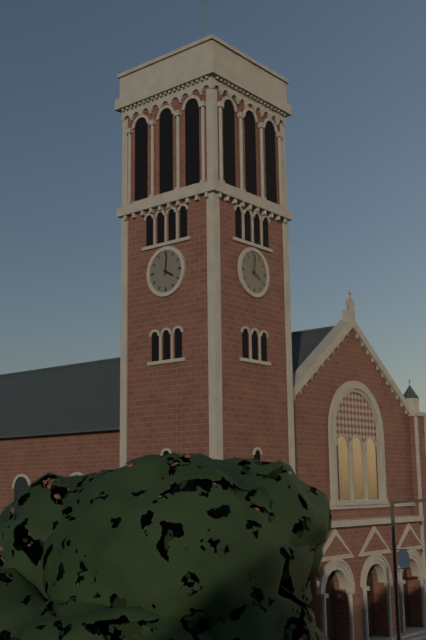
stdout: 4:01
